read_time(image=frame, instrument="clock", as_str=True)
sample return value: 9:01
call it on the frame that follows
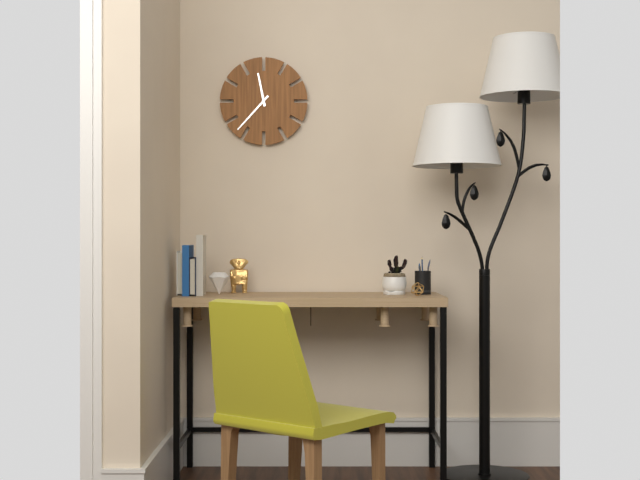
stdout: 11:37
